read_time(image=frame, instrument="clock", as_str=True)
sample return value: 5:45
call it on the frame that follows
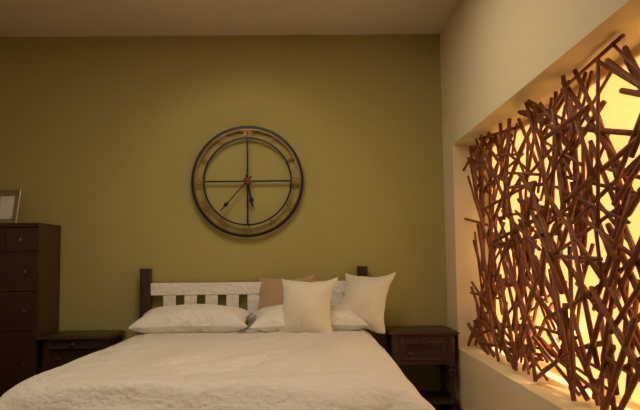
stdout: 5:37
